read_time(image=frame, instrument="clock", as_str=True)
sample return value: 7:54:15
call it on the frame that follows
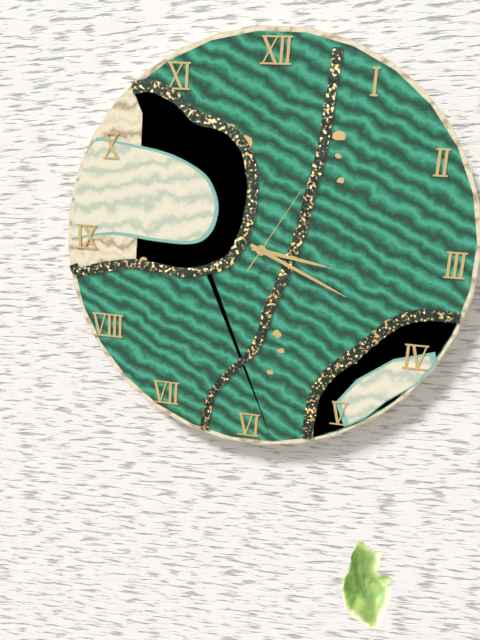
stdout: 3:19:05
